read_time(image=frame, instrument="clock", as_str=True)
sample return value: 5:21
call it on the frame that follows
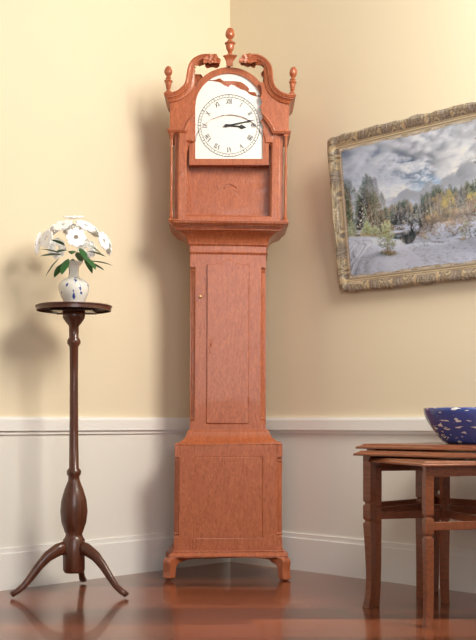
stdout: 3:13
